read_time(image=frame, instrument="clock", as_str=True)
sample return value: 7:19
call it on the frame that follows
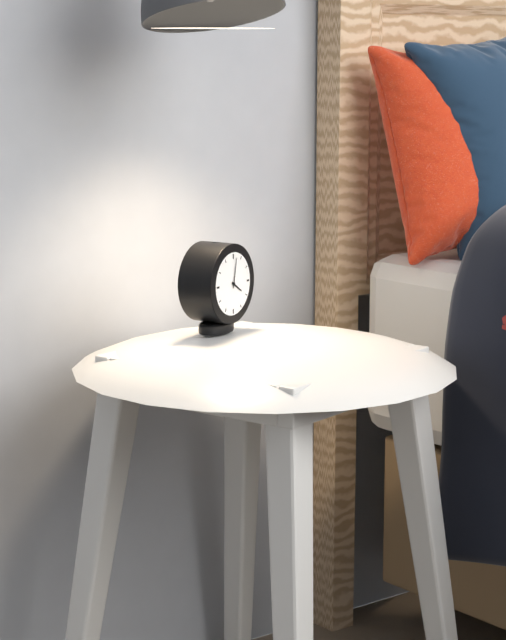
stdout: 4:02
